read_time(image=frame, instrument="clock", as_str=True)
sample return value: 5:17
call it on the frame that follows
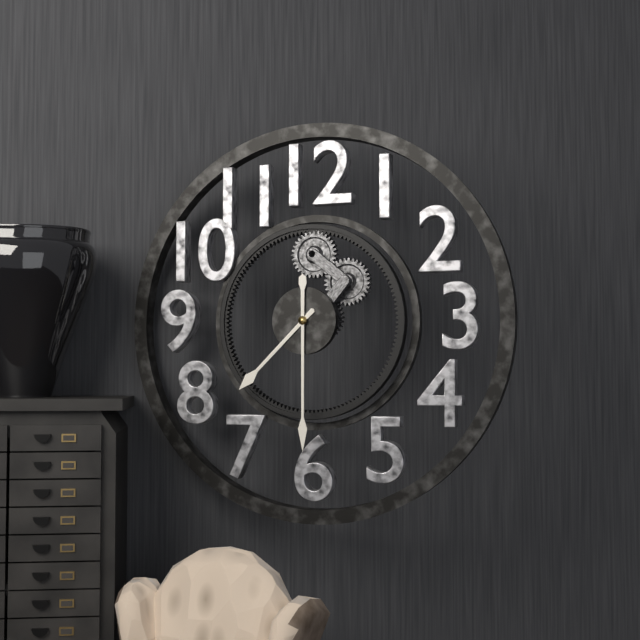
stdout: 7:30
